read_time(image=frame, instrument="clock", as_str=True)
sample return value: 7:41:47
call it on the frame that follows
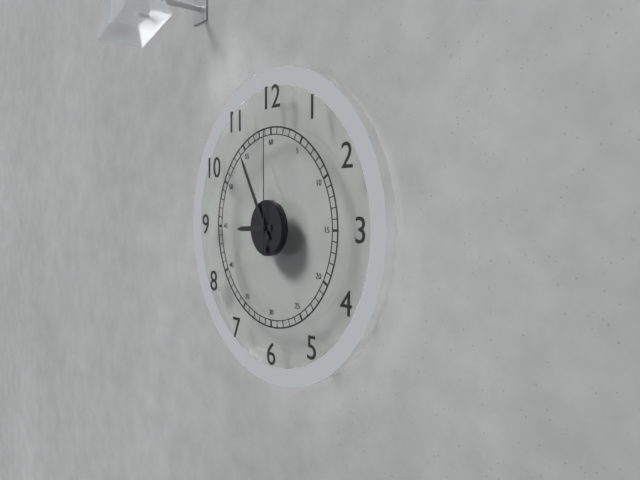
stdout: 8:55:00
